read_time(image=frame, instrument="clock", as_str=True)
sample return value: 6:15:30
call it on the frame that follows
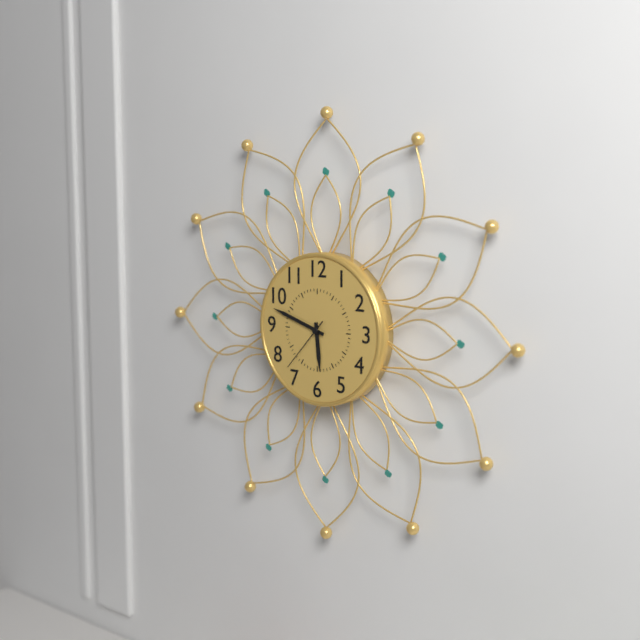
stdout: 5:48:37
